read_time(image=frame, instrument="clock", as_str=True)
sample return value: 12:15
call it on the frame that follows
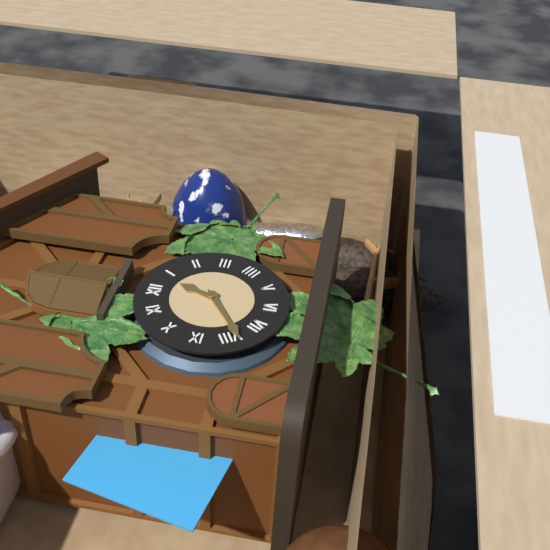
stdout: 12:39
